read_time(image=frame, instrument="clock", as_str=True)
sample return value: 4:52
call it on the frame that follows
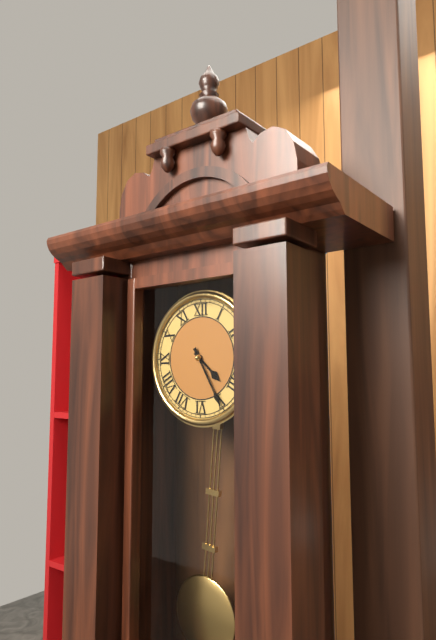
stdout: 4:25
